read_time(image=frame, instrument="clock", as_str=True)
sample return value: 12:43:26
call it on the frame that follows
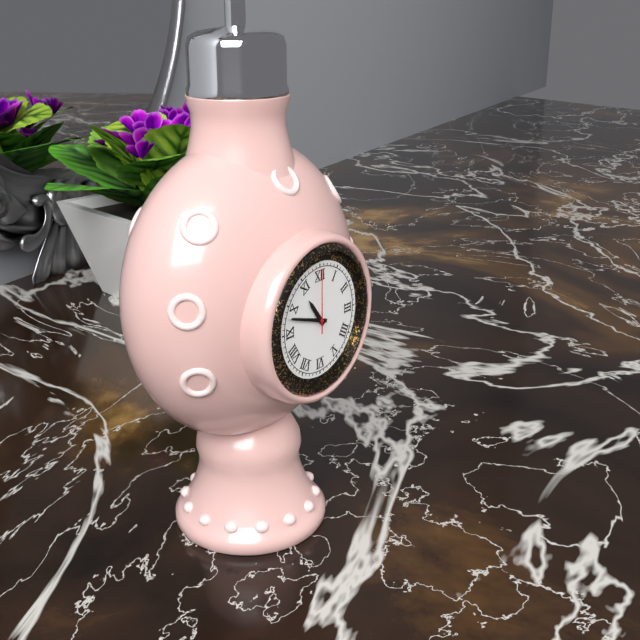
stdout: 10:48:00
